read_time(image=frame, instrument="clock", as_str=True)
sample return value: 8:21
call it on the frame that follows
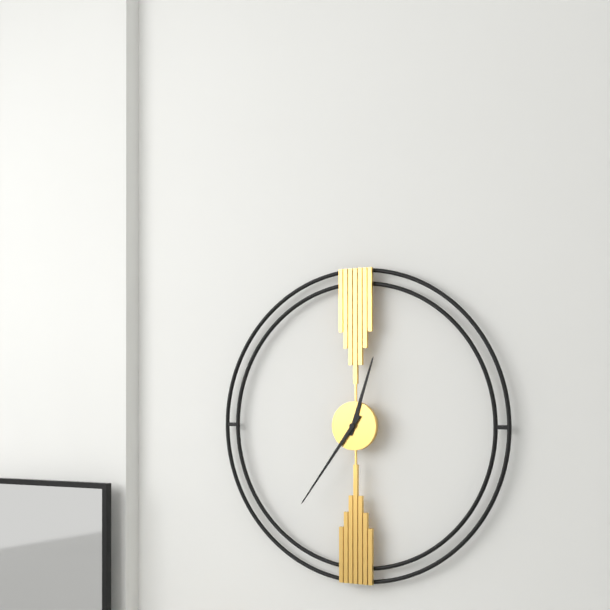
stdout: 12:36
